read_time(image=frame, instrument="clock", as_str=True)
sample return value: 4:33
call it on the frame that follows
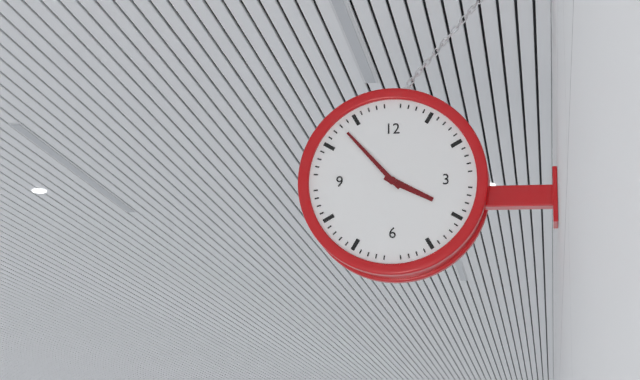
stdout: 3:53
